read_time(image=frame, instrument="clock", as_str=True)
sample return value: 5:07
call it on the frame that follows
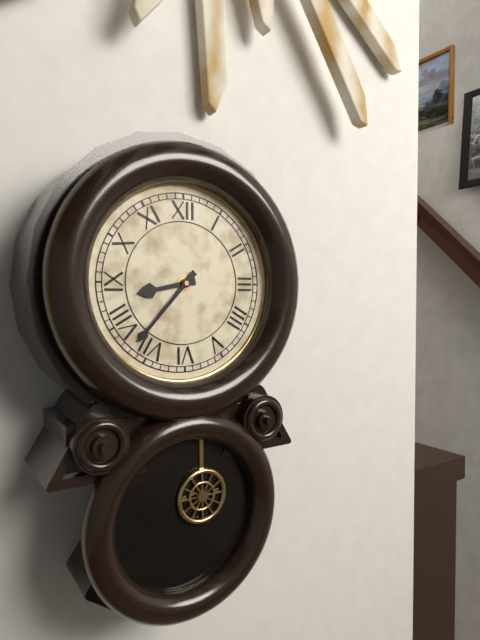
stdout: 8:37
